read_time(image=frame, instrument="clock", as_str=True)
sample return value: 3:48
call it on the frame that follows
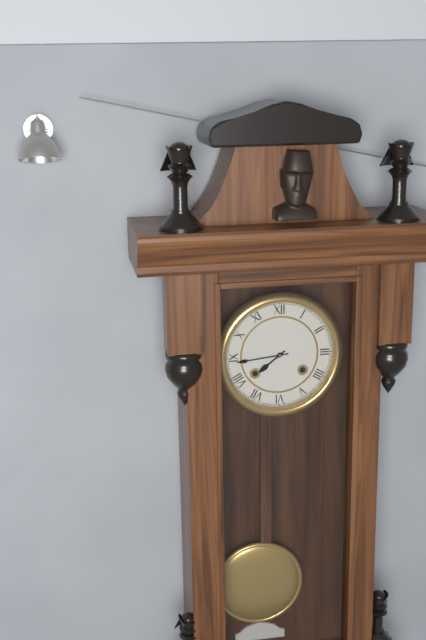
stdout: 7:44
